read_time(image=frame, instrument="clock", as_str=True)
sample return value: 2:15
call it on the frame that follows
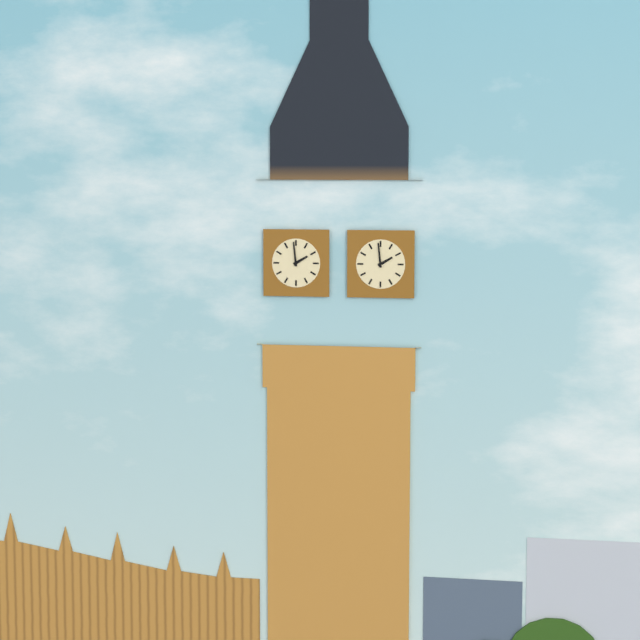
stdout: 1:59
